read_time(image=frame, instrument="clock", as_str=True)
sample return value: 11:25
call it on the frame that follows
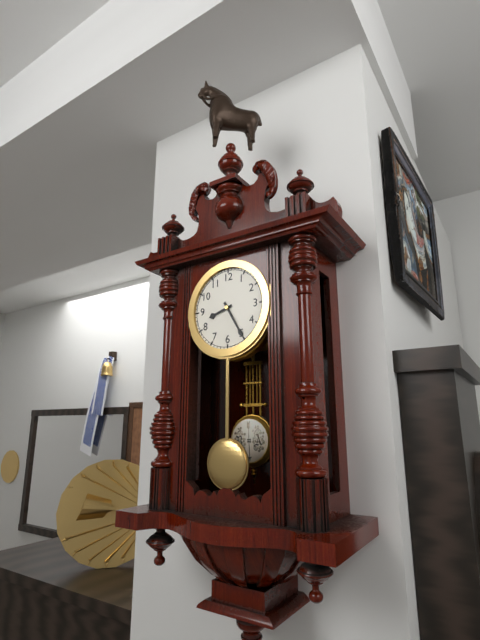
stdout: 8:25
